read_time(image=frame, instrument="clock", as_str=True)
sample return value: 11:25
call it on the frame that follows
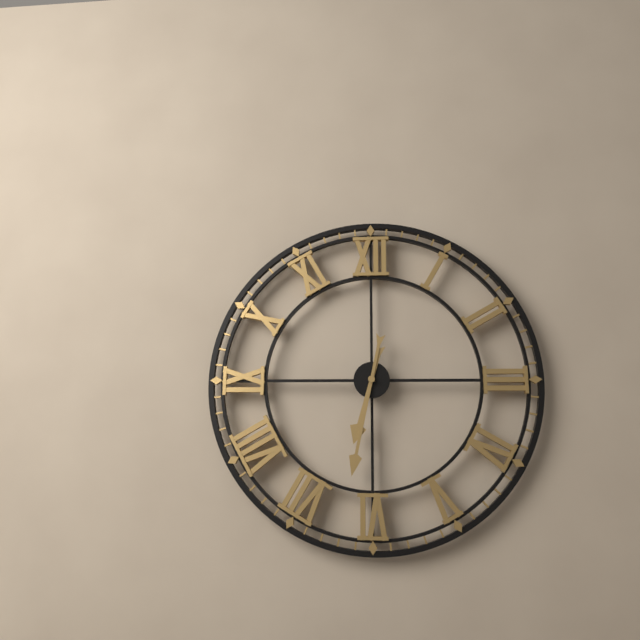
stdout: 6:32
